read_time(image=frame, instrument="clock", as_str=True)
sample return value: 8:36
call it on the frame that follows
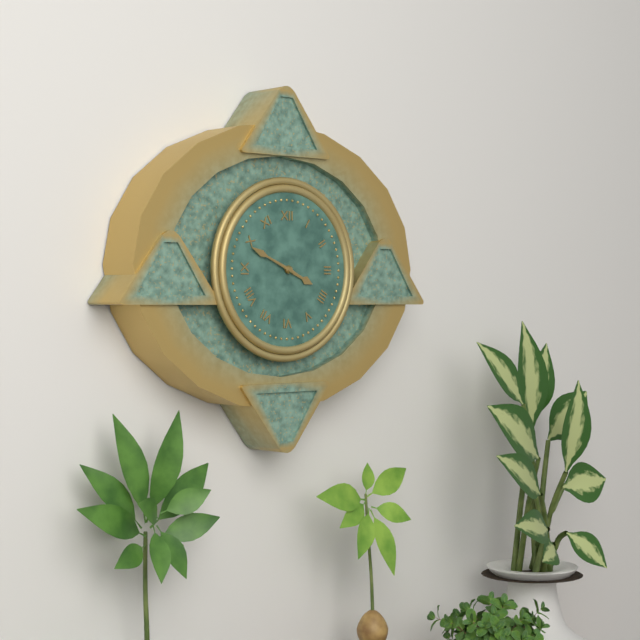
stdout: 3:49
